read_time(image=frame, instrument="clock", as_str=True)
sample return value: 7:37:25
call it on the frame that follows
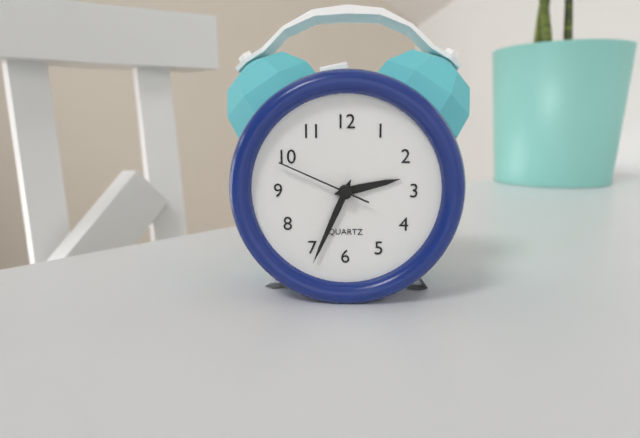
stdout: 2:34:49
